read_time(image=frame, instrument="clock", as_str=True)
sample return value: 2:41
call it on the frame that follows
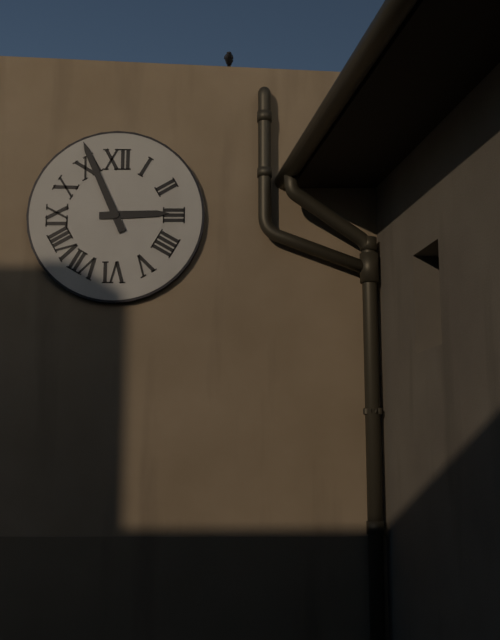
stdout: 2:56
